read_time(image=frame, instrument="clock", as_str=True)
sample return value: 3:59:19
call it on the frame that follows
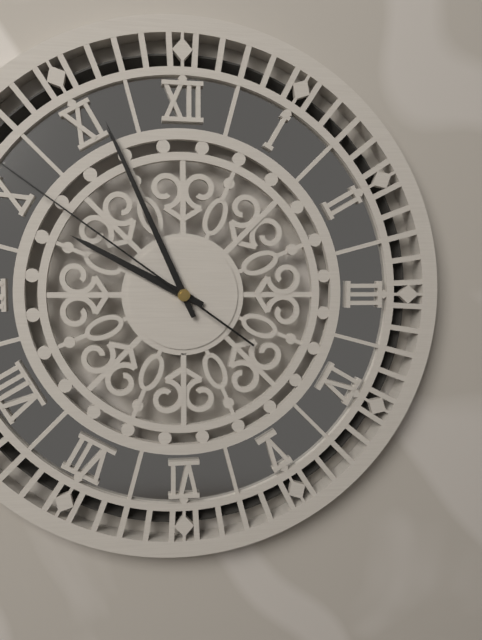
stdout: 9:56:51
